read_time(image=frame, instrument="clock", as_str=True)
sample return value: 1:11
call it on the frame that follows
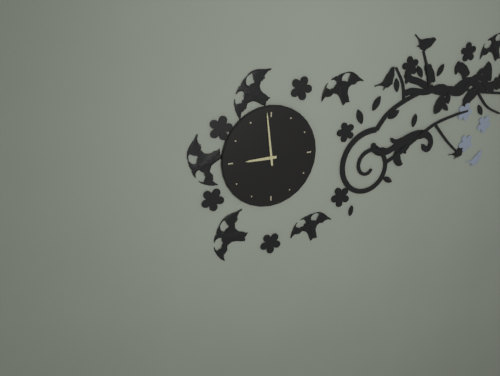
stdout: 8:59
